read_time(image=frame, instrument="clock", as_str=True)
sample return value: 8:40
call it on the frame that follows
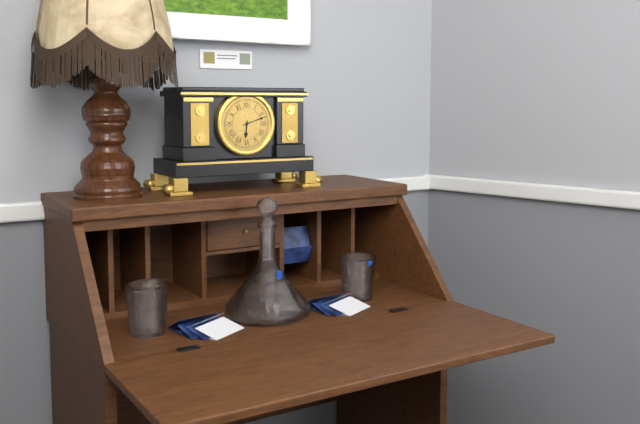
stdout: 6:12
